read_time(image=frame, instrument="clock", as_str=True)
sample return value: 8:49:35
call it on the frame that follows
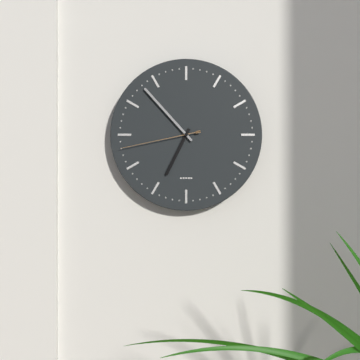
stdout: 6:53:43
